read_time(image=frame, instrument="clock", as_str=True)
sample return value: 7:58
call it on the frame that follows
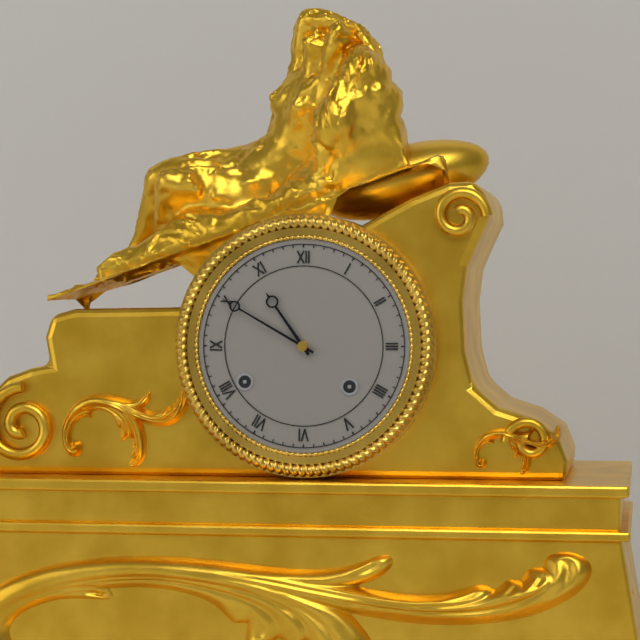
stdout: 10:50
